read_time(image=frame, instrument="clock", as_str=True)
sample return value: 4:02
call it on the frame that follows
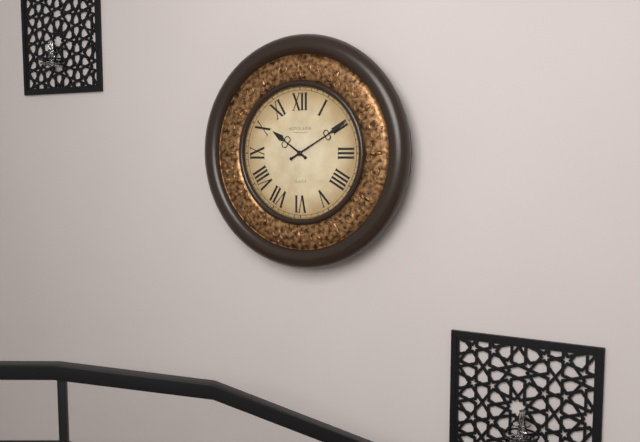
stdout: 10:10
